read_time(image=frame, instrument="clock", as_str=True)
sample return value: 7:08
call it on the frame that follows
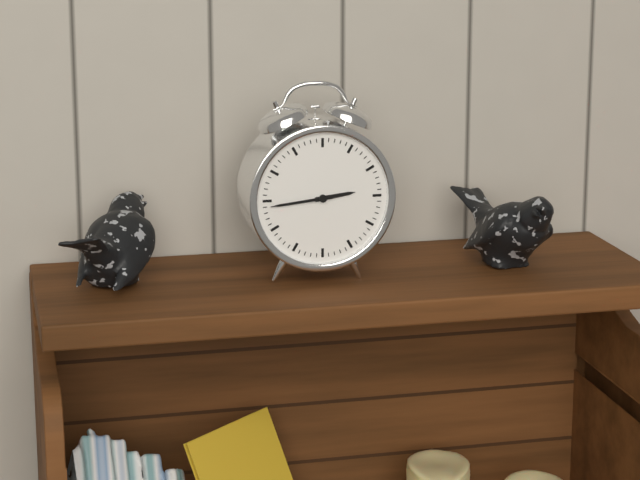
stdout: 2:44
